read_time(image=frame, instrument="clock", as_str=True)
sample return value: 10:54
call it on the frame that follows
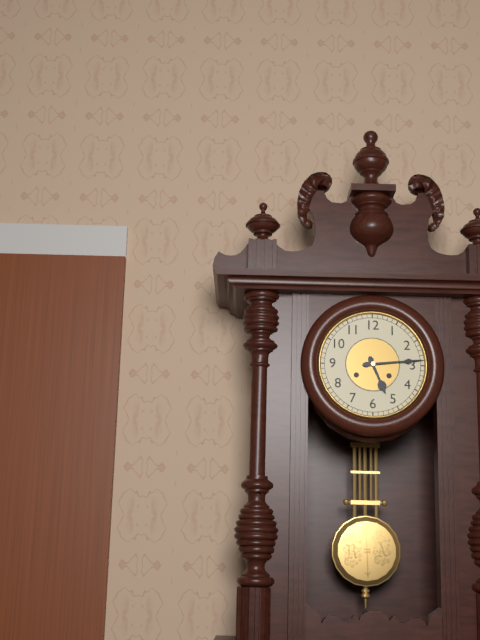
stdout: 5:14
